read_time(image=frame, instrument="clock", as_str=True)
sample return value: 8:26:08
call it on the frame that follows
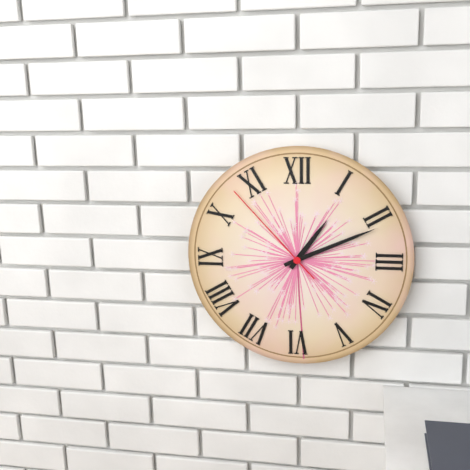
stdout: 1:11:53
